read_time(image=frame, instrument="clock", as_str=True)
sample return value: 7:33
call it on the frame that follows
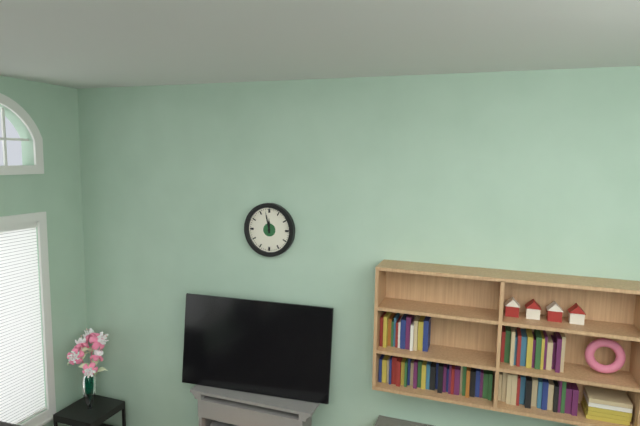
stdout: 11:58
